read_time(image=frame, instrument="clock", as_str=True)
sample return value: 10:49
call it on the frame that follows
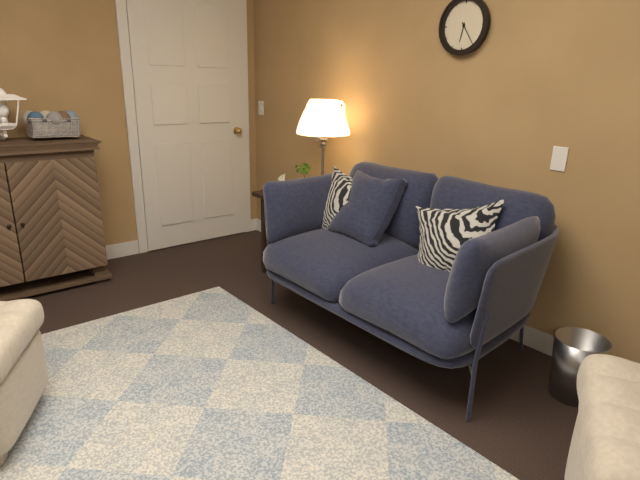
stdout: 6:24
